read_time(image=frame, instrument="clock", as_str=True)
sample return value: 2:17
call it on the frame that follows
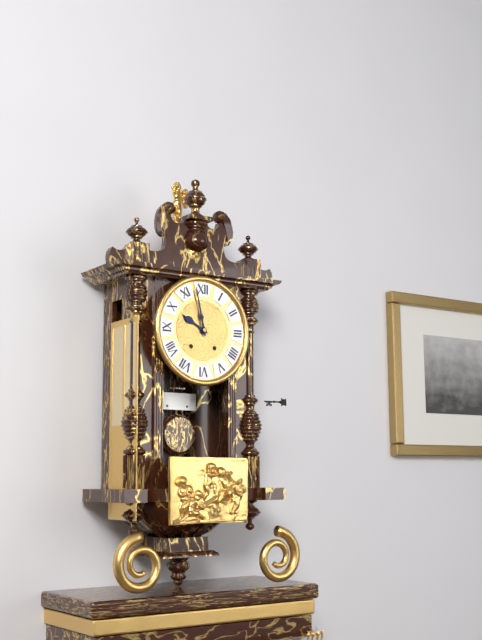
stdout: 9:58
